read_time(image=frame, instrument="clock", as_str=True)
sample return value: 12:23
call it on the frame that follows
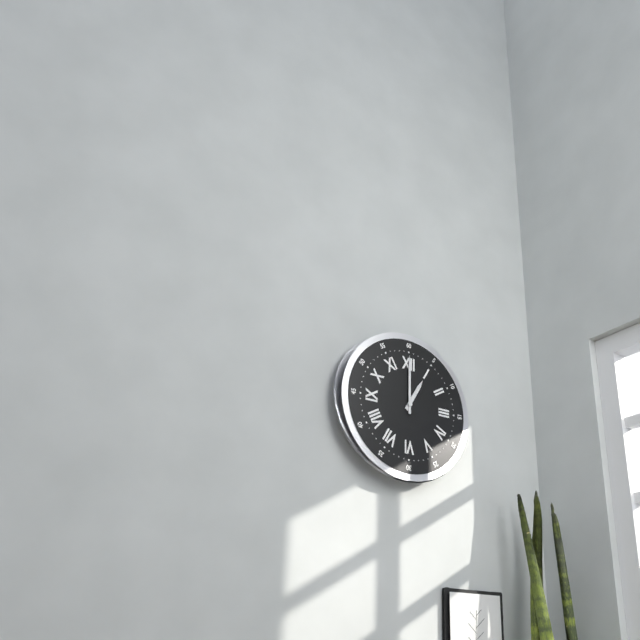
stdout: 1:00
